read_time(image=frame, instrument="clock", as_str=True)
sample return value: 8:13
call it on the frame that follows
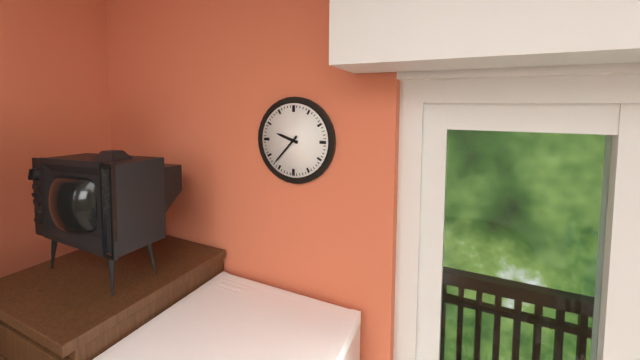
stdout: 9:37
